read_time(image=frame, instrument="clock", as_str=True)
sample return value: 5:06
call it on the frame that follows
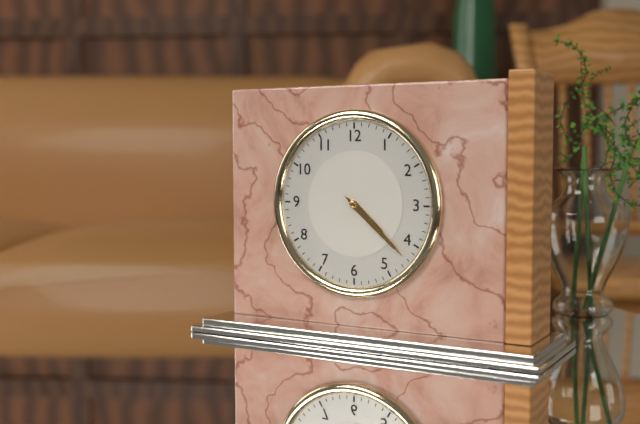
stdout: 4:22
